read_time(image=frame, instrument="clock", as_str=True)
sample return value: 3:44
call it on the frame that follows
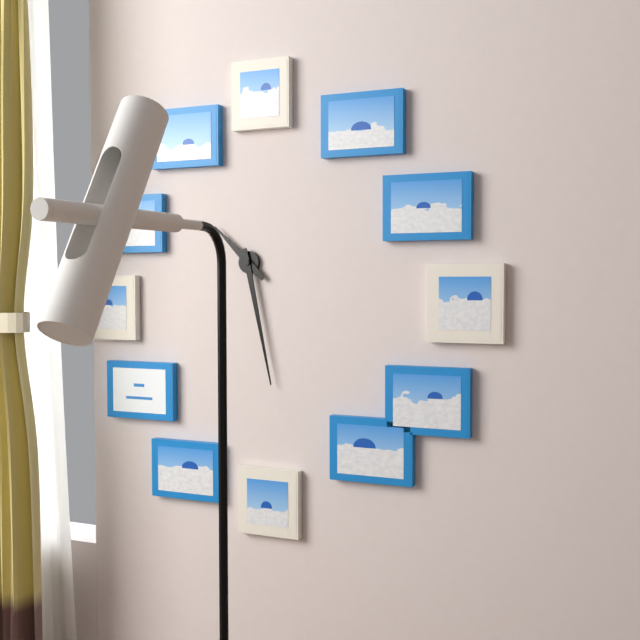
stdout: 10:28
